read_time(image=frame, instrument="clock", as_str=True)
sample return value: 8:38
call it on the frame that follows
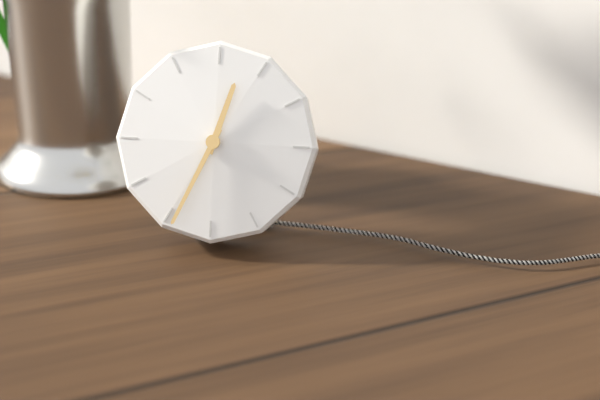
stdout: 12:34
